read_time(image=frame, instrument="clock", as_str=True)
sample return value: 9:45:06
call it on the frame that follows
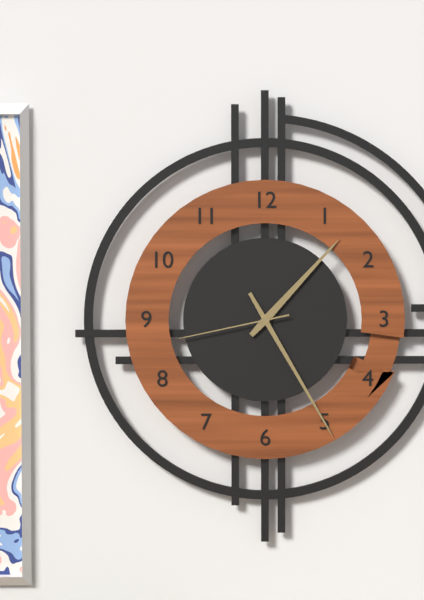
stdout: 1:25:43
